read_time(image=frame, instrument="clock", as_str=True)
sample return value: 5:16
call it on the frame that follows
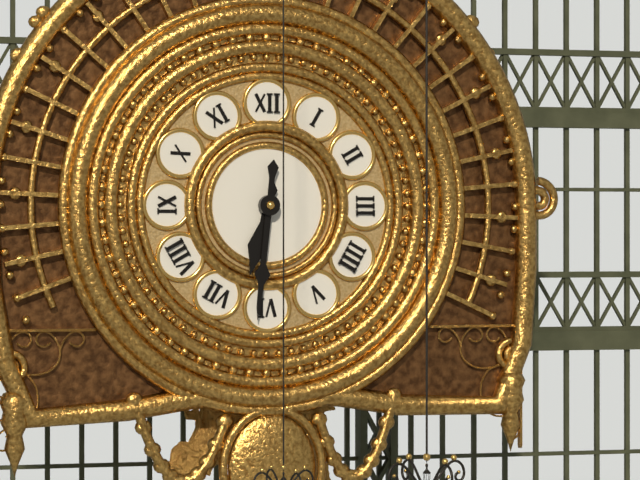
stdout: 6:31
